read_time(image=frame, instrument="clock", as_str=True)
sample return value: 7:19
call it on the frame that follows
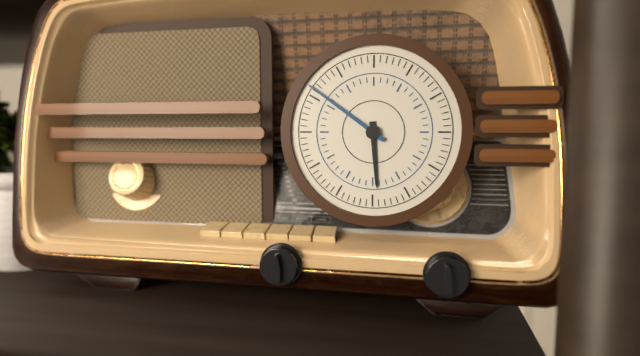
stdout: 5:51
